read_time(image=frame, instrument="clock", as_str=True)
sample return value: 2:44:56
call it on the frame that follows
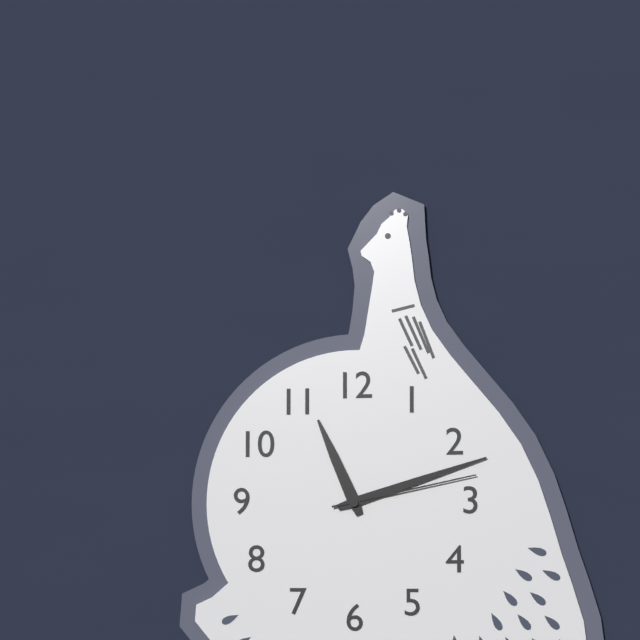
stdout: 11:12:13
